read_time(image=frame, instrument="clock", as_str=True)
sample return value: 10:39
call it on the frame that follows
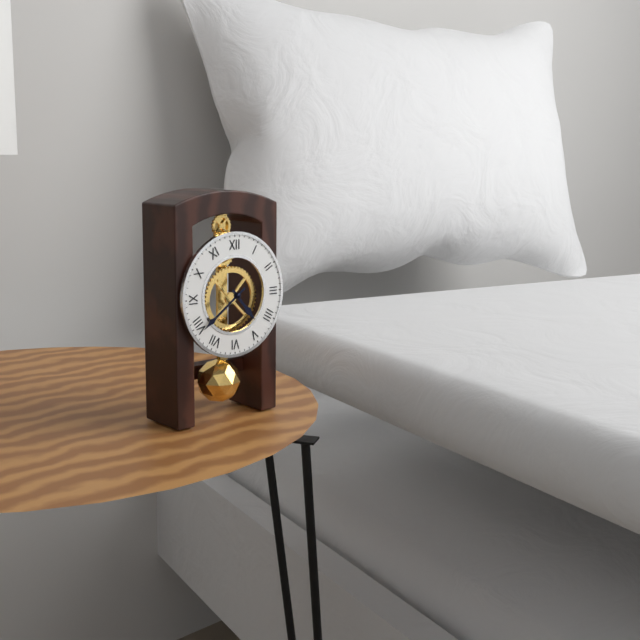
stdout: 4:39
